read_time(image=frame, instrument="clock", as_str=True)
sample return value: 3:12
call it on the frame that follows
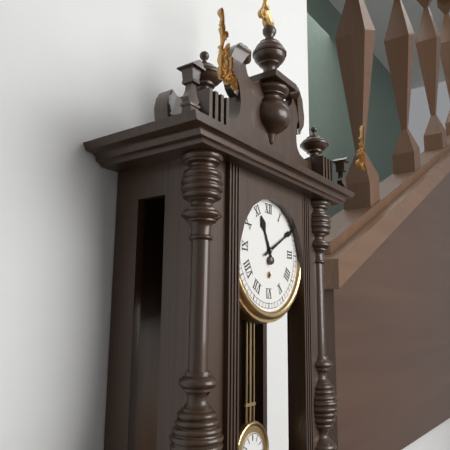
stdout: 11:10
